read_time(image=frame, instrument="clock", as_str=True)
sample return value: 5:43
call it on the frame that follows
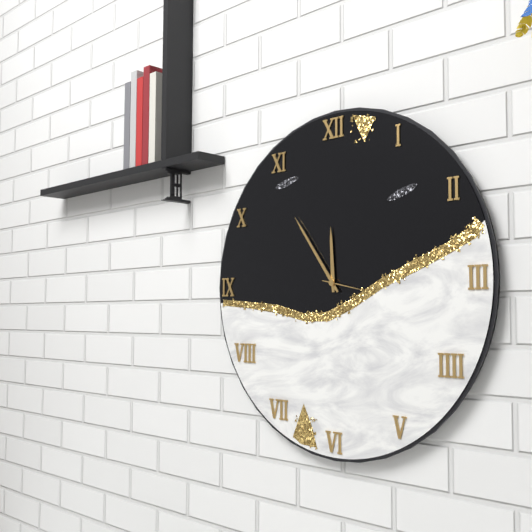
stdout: 11:54
